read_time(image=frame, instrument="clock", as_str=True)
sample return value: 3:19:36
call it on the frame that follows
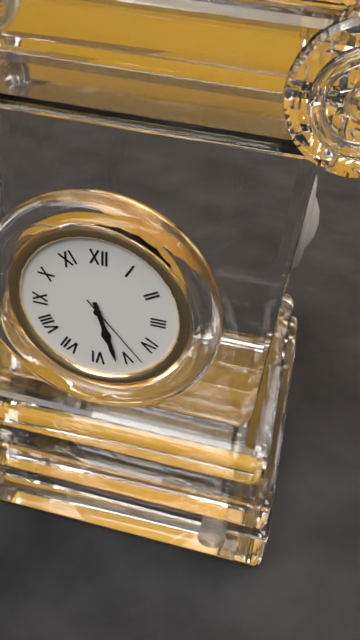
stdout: 5:27:23
